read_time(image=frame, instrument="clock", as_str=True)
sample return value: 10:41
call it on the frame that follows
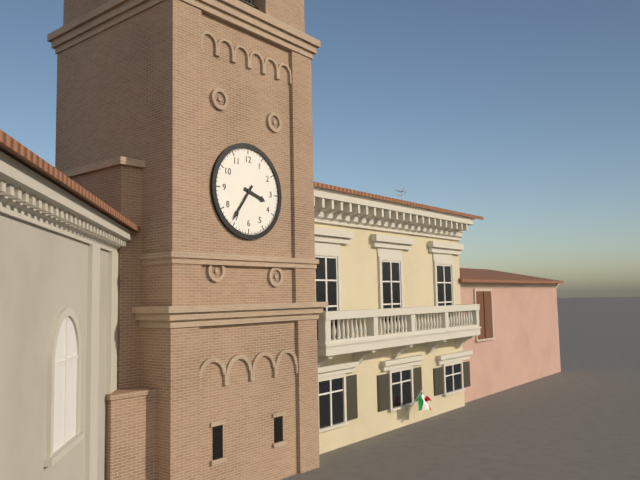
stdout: 3:36
